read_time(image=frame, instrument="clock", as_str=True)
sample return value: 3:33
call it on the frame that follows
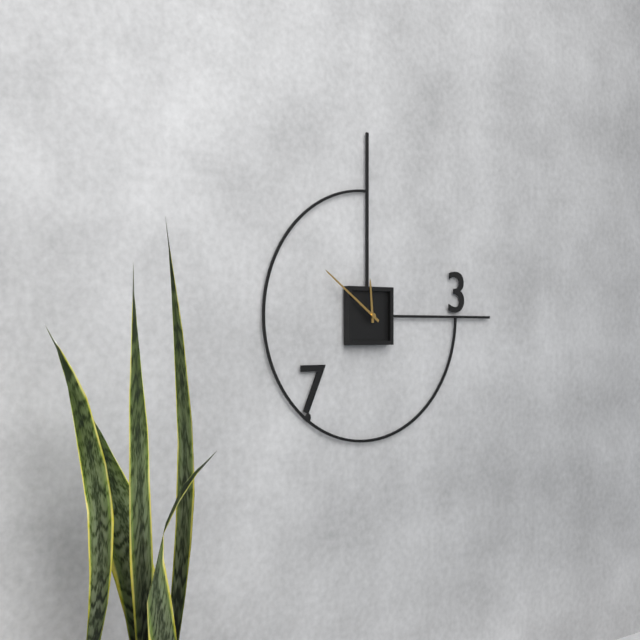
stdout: 11:51
